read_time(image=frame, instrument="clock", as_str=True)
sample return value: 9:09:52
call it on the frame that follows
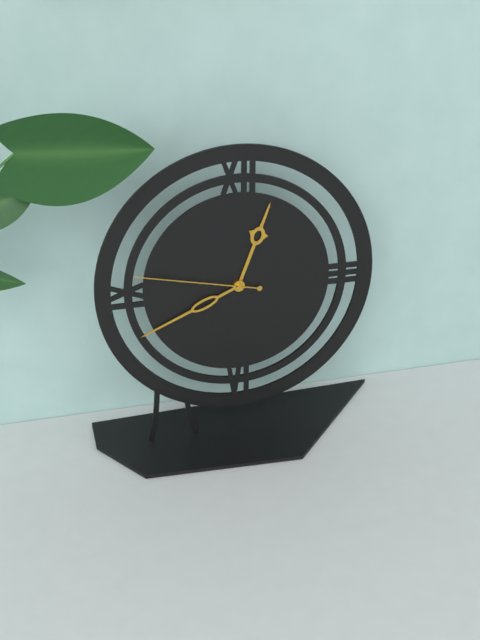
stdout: 12:41:47
